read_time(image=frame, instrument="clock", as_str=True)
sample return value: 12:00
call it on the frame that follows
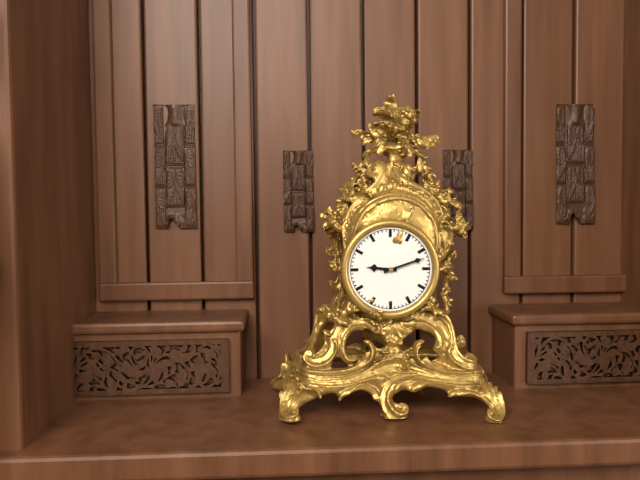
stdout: 9:12
